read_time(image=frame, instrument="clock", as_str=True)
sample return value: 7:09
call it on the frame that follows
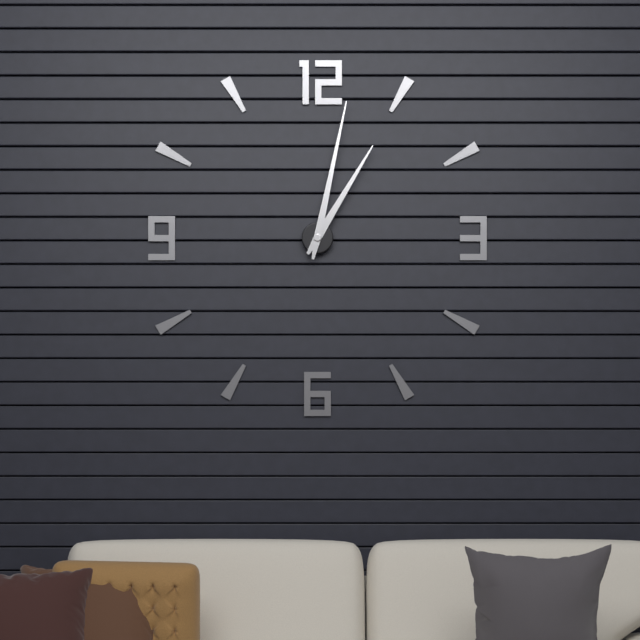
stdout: 1:02
